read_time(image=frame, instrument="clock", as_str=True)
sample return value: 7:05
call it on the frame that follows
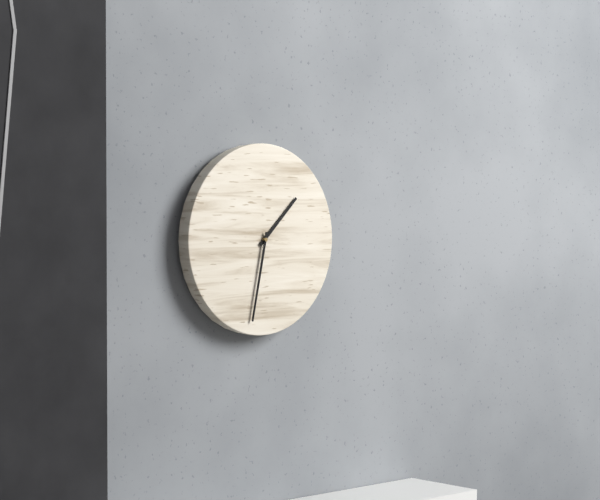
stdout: 1:32
